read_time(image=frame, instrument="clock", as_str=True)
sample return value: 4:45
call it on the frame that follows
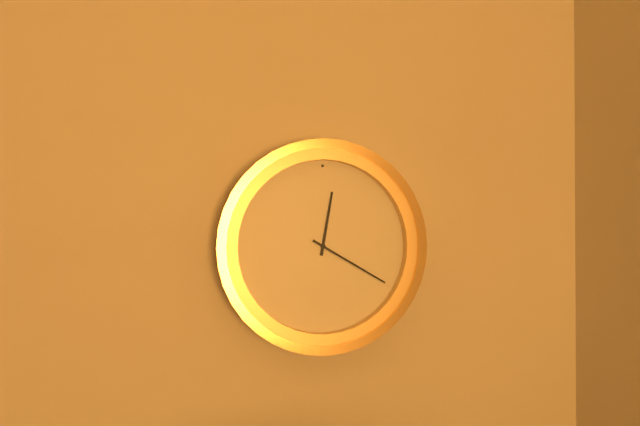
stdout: 12:20
